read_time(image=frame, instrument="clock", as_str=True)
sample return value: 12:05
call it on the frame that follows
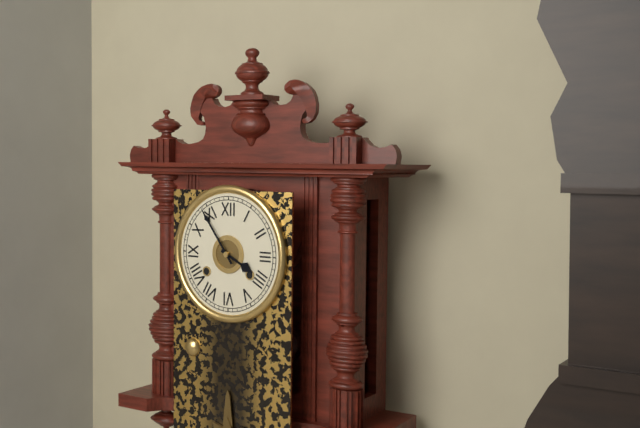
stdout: 3:54
